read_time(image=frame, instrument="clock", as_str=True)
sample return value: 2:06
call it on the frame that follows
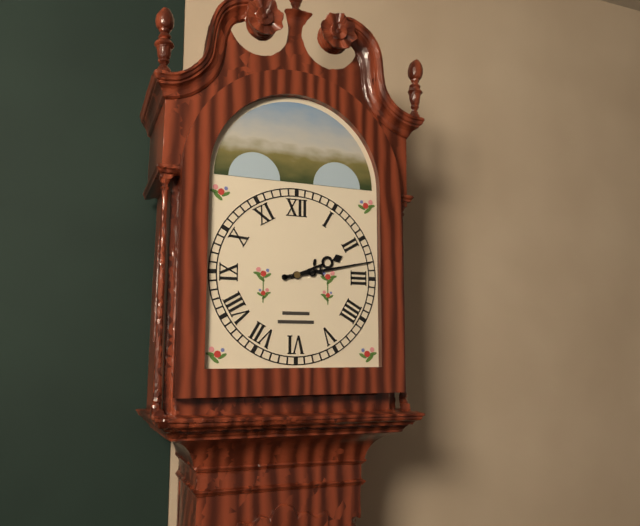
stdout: 2:13
